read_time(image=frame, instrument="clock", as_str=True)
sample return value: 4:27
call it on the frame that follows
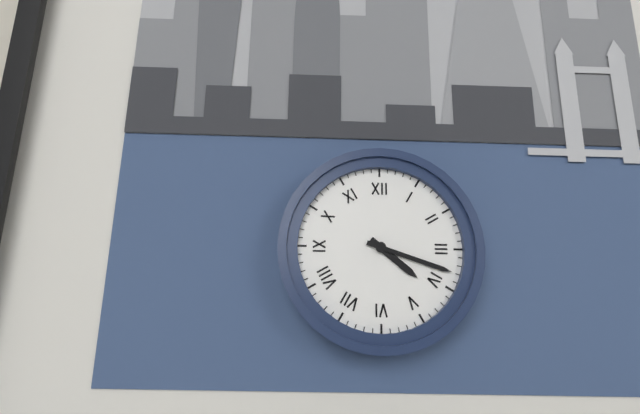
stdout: 4:18
